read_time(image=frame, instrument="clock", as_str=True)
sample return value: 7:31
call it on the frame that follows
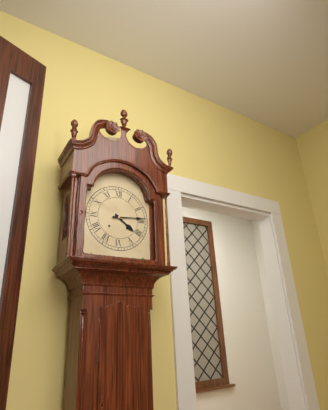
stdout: 4:14
